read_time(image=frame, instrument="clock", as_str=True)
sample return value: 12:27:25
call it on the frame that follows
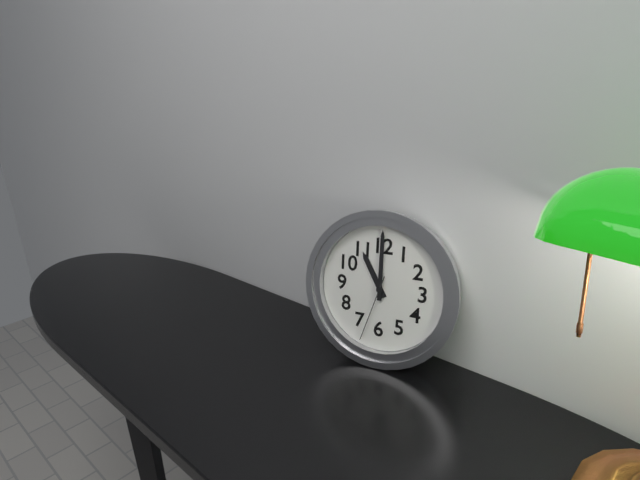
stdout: 11:00:33
